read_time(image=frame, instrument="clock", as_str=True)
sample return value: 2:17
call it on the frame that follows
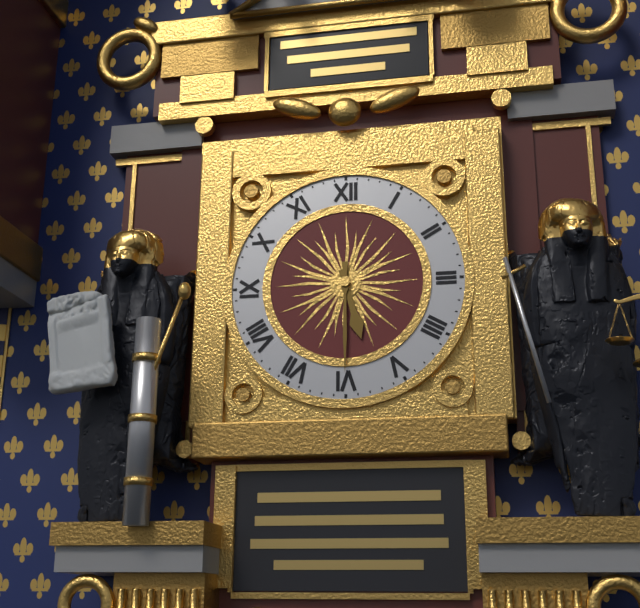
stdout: 5:30
